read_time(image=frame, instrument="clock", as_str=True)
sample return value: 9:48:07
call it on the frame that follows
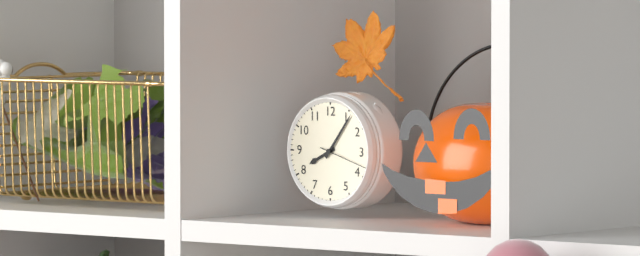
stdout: 8:06:18
